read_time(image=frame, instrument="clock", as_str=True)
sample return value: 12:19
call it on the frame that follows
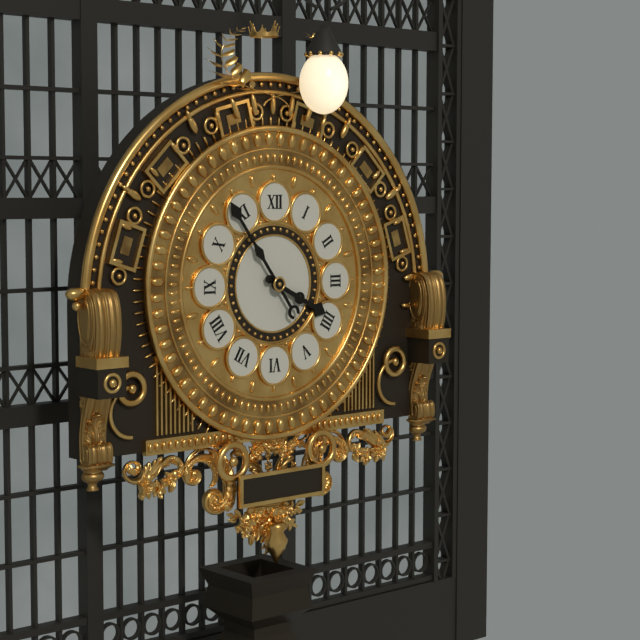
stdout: 3:54
